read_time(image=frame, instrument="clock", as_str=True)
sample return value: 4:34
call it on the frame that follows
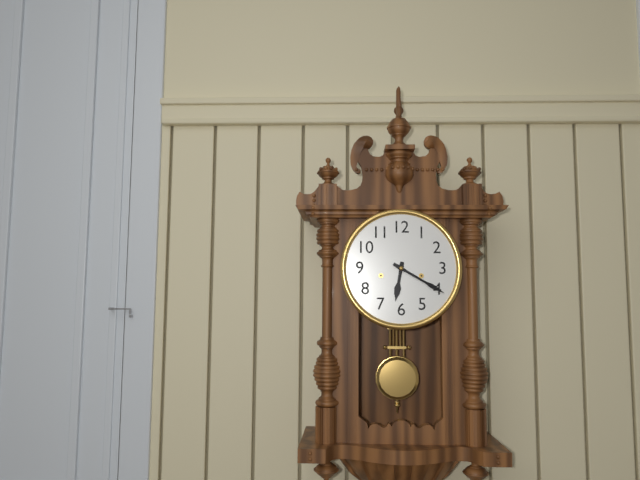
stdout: 6:20
